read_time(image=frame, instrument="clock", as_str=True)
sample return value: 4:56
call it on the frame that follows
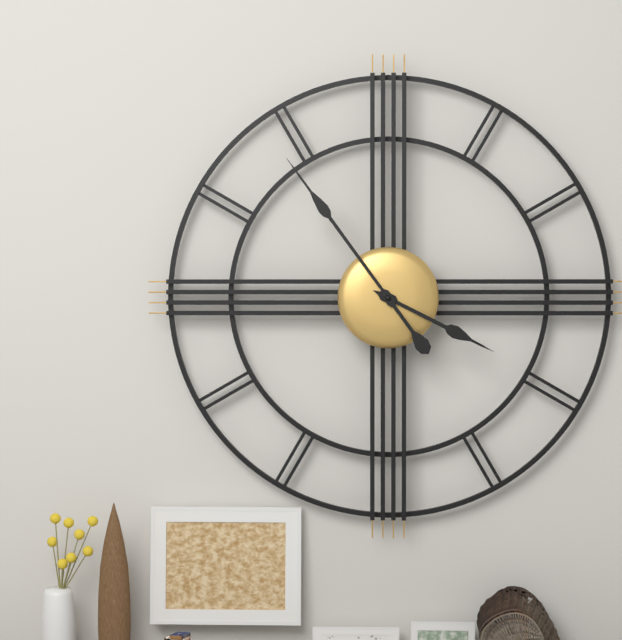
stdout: 3:54
